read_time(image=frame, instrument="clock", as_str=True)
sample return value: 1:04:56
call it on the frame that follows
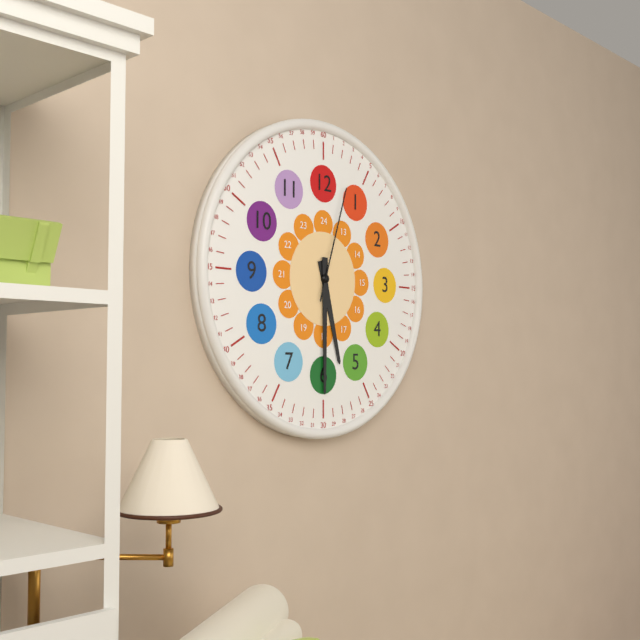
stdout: 5:30:03
